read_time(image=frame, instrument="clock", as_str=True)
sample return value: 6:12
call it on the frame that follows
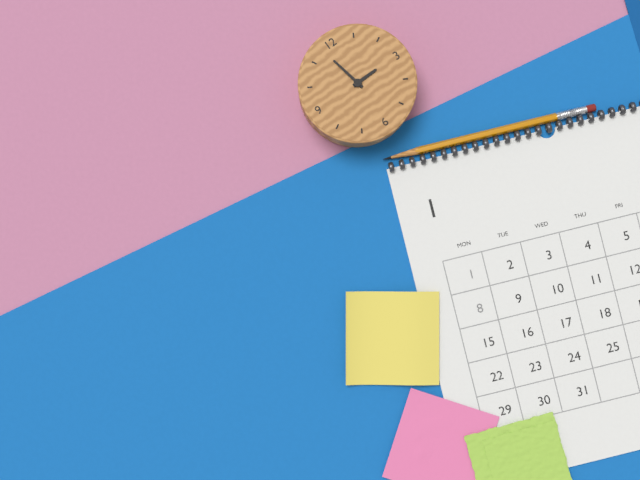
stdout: 2:58
